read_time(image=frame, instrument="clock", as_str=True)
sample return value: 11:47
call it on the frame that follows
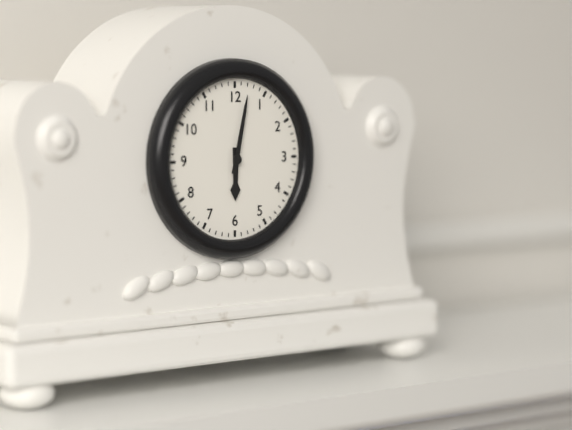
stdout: 6:02
